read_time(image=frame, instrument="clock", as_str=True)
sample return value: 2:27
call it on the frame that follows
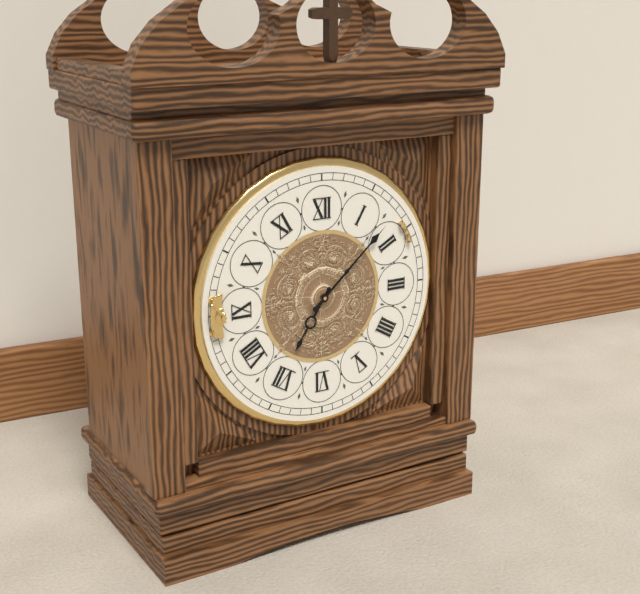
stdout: 7:08
